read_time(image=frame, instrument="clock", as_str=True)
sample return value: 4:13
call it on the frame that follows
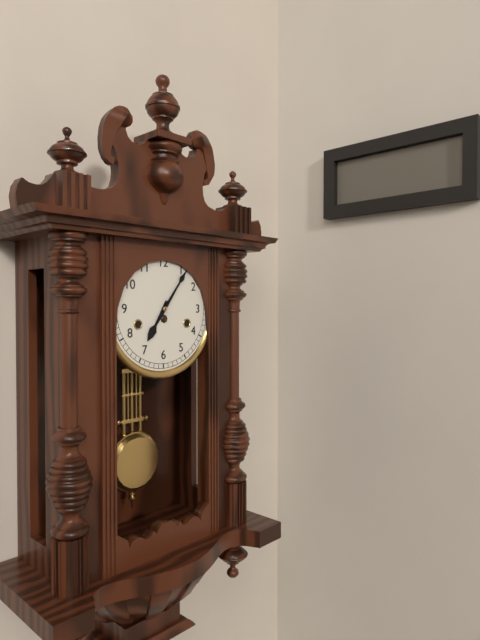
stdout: 7:06
